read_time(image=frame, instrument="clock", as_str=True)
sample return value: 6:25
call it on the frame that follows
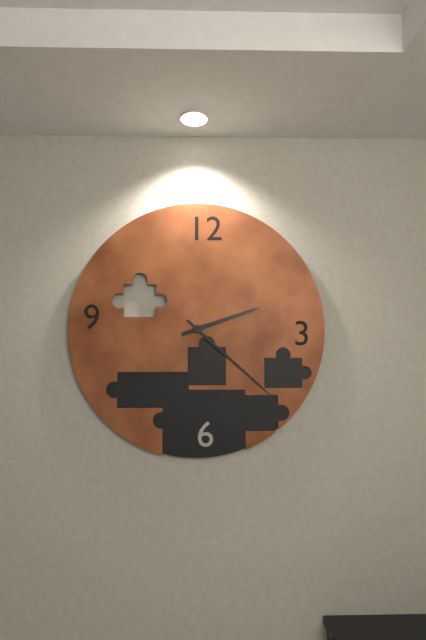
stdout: 2:22
